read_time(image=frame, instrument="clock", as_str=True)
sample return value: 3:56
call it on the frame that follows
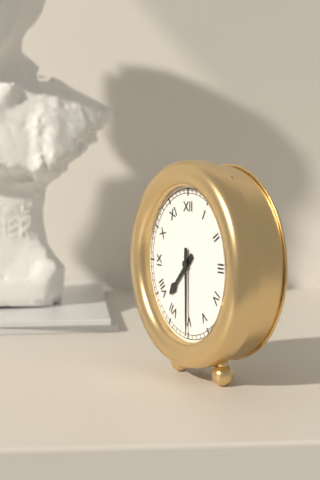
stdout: 7:30
